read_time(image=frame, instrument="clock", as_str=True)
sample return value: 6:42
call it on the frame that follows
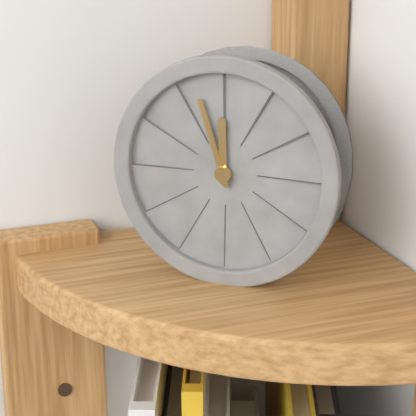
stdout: 11:57
